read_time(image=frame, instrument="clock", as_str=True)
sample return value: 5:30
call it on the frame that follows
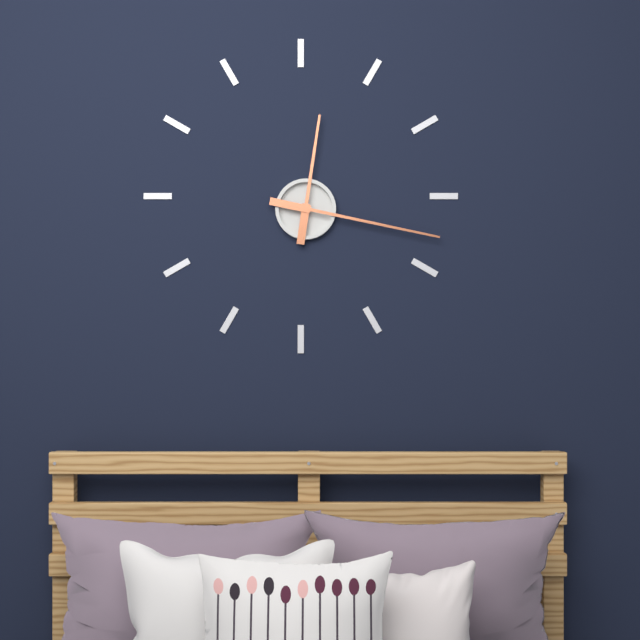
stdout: 12:17
